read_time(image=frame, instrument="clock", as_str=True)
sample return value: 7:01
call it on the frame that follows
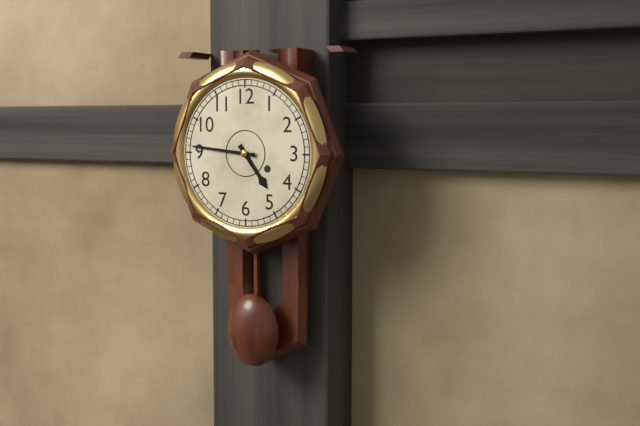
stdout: 4:46
